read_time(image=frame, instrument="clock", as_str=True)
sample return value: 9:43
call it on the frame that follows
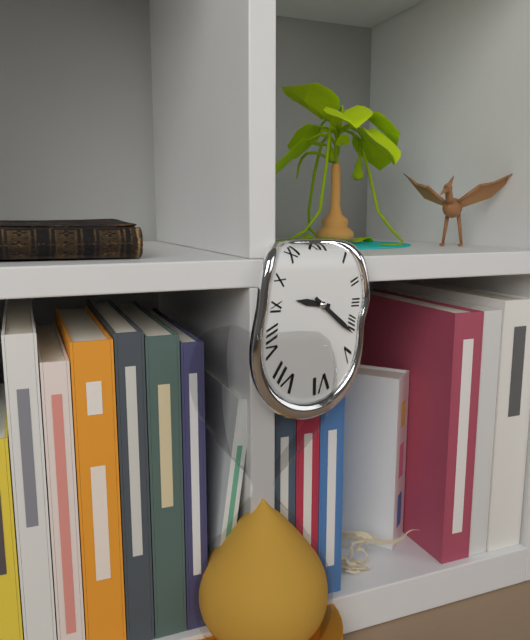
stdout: 9:22
